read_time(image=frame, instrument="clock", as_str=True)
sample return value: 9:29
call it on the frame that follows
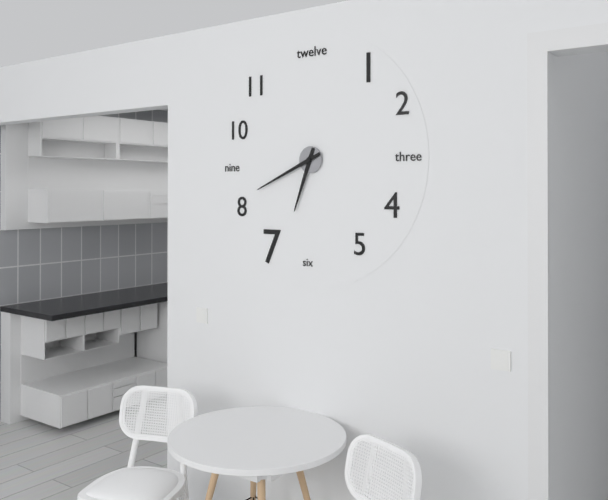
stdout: 6:41
